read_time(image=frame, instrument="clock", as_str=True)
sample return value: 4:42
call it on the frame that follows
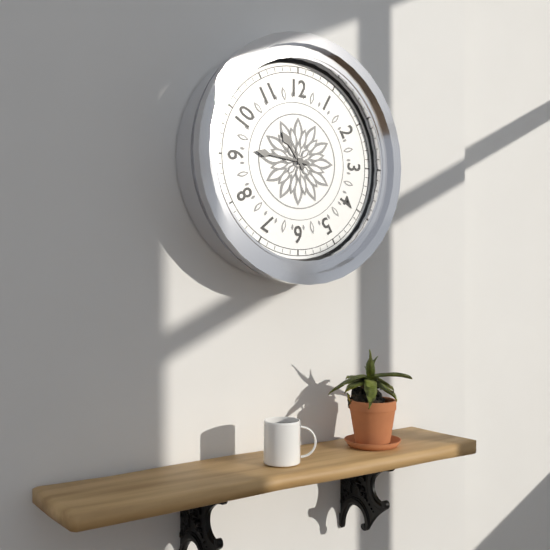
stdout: 10:46
